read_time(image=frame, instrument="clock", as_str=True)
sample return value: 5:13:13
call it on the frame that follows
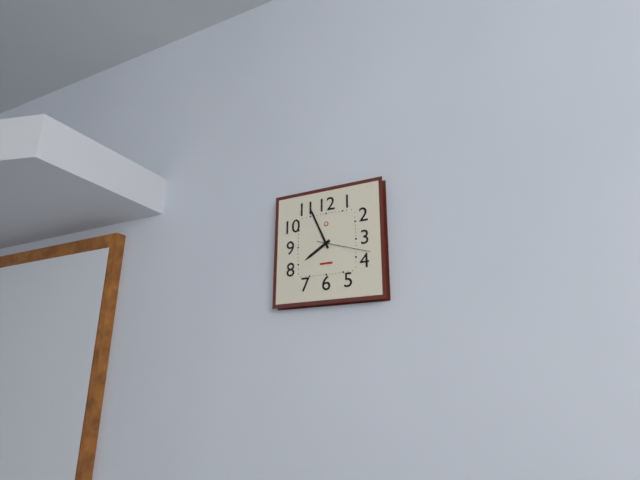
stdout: 7:56:18
